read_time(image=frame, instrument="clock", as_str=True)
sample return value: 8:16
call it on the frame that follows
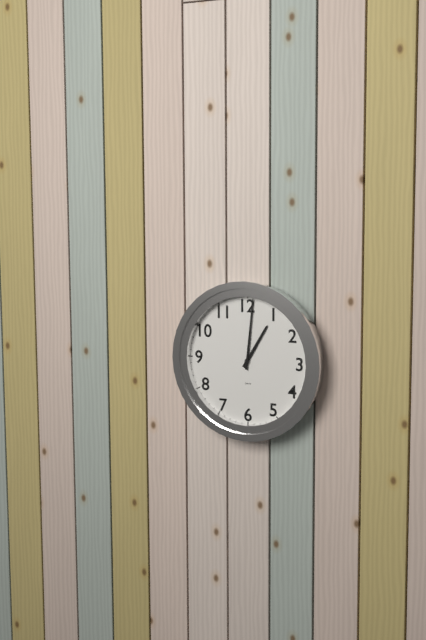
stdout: 1:01
